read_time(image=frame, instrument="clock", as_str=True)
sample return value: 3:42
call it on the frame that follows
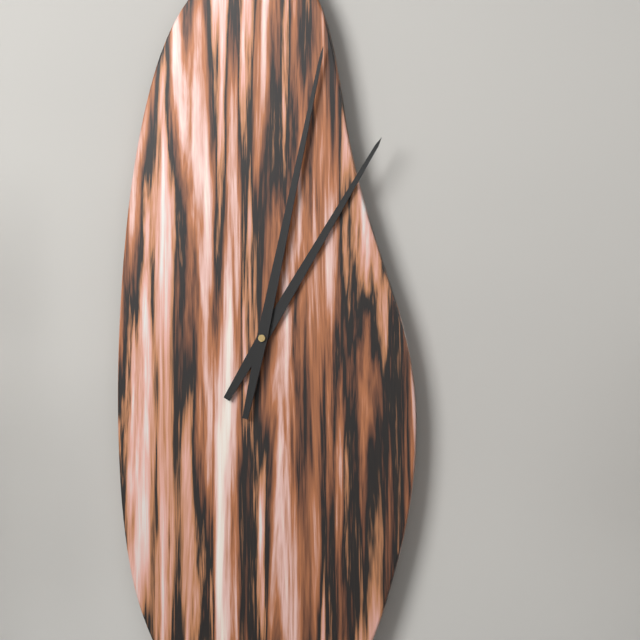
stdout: 1:02
